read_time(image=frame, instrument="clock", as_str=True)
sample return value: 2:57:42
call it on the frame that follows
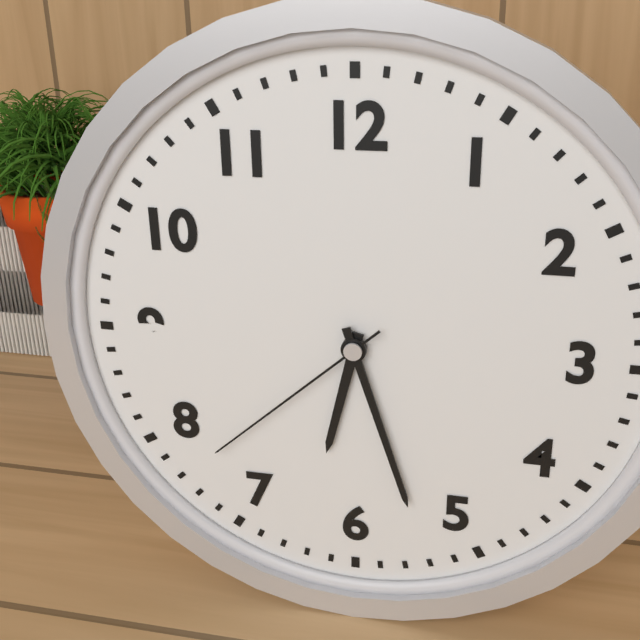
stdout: 6:27:38
